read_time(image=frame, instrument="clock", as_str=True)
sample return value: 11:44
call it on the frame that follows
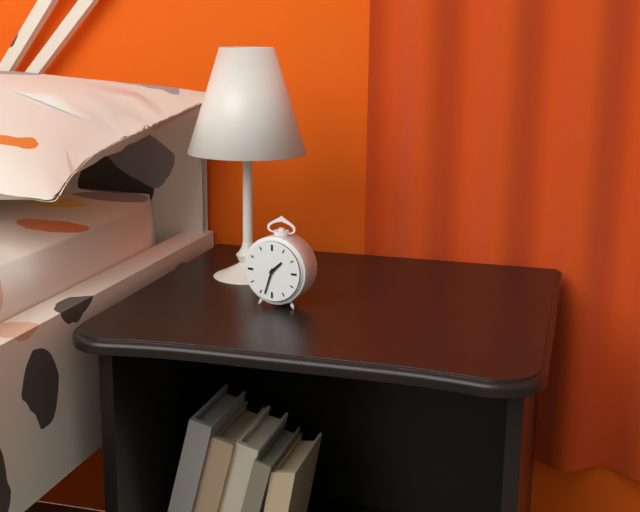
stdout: 1:33
